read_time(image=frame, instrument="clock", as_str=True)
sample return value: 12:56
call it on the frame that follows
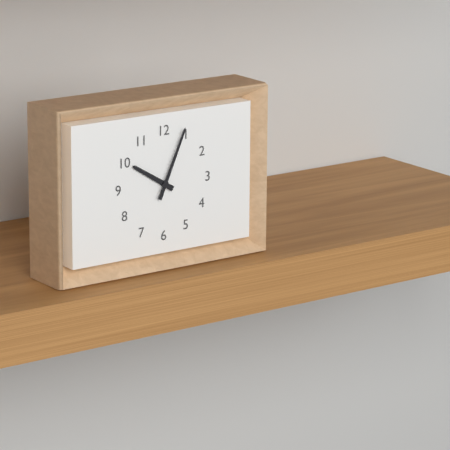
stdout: 10:04
